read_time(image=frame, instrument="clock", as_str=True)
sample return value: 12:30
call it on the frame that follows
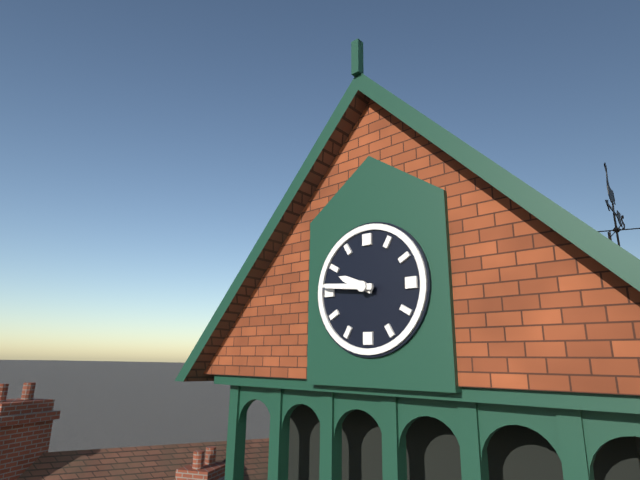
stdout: 9:46
